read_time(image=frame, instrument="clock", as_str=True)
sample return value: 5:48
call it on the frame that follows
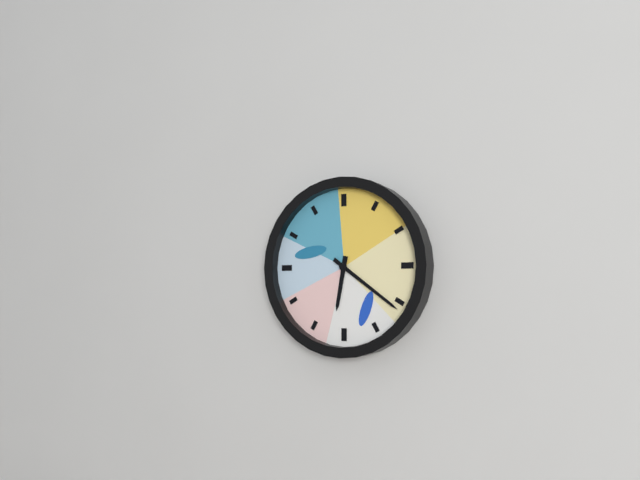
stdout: 6:21
